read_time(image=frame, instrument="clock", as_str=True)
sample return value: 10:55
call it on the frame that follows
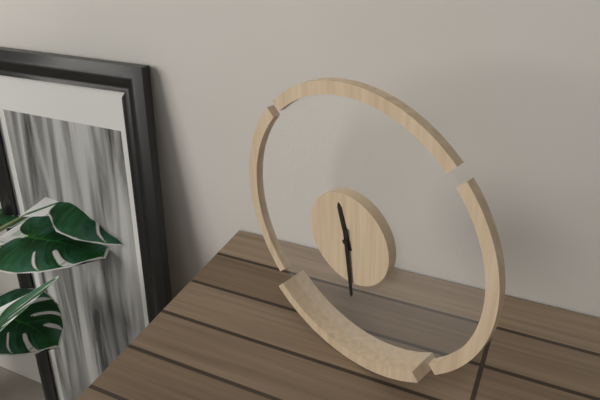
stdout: 11:29
